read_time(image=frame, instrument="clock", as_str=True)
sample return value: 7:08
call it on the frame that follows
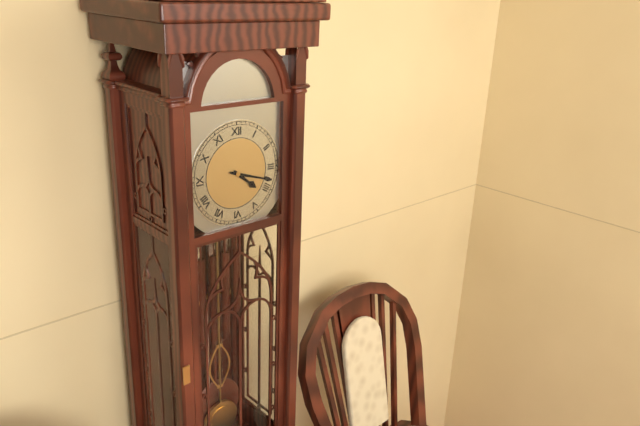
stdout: 4:18
